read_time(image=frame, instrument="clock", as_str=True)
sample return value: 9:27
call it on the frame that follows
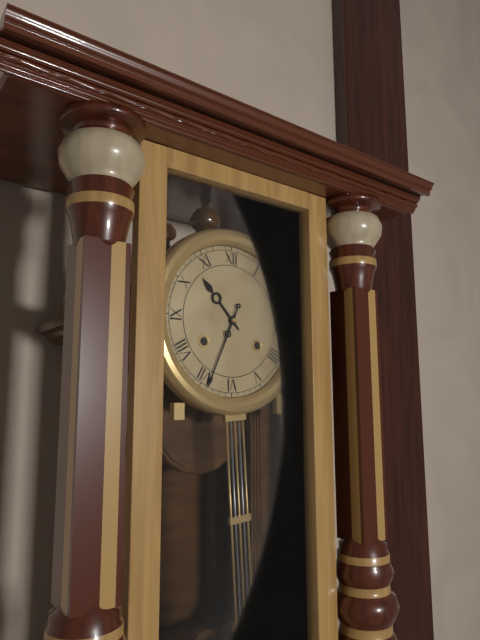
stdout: 10:34
